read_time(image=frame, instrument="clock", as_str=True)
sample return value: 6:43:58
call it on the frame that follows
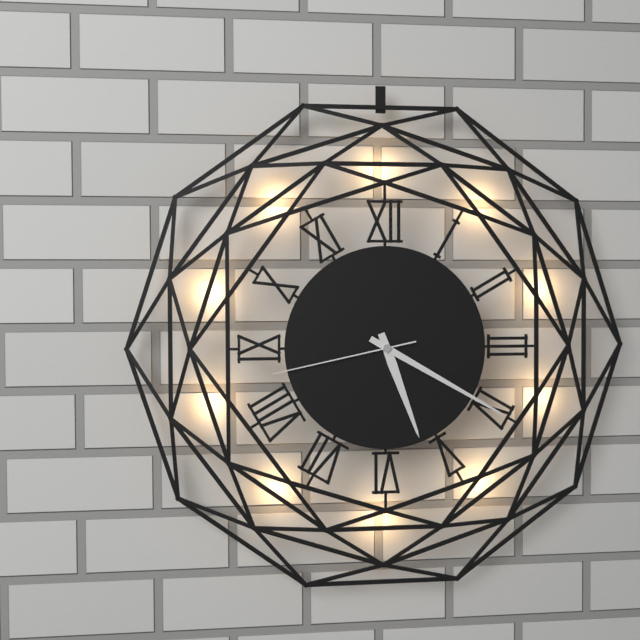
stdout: 5:20:43
